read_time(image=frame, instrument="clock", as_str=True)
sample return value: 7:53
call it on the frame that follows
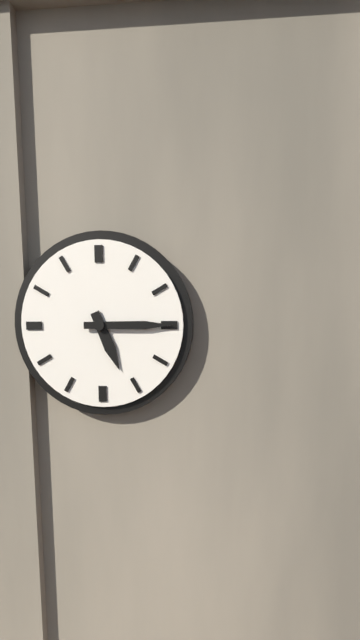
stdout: 5:15
